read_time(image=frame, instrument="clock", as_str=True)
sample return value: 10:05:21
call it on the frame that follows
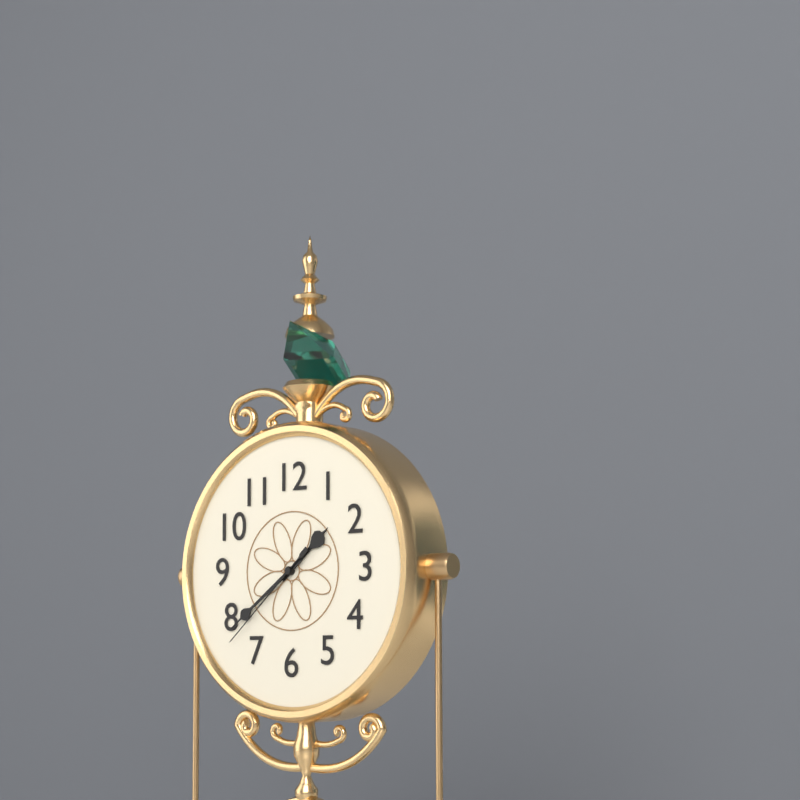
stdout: 1:39:38
